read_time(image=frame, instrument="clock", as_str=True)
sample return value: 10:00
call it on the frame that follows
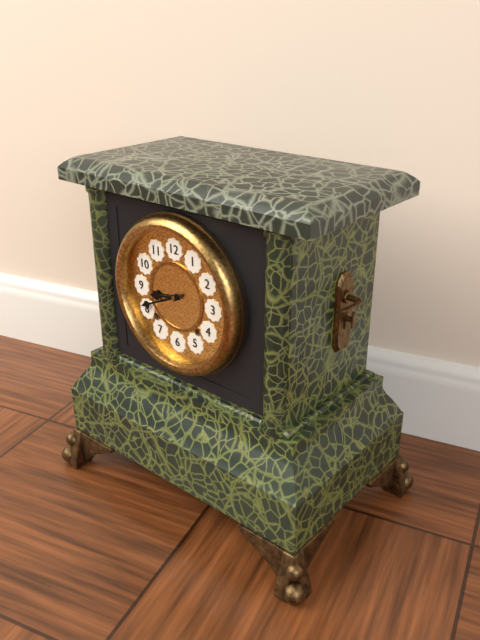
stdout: 8:41
